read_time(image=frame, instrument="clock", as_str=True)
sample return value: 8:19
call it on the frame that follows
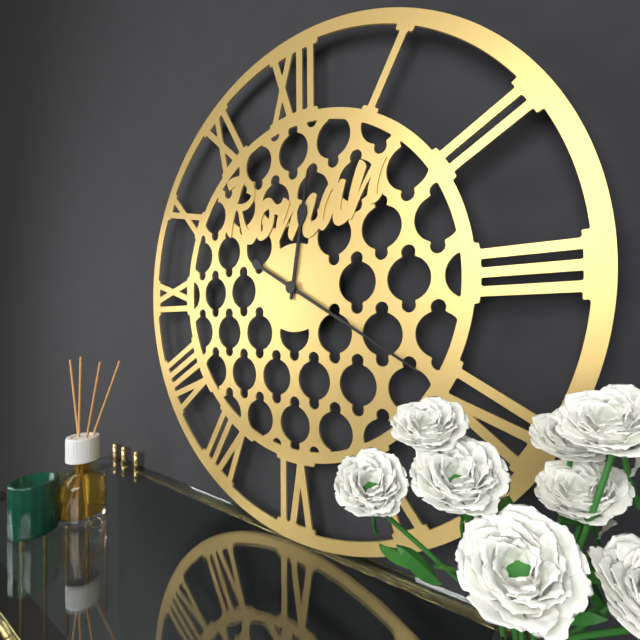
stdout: 12:20
